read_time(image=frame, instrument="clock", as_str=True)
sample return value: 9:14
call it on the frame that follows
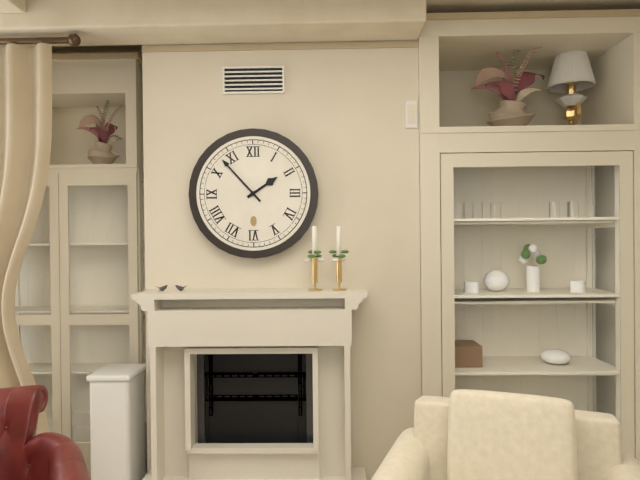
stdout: 1:53
